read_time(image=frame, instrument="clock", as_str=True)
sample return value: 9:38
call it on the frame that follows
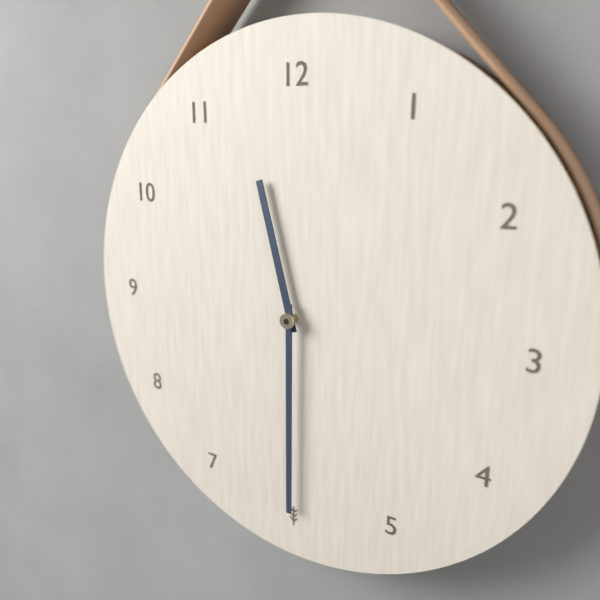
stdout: 11:30
